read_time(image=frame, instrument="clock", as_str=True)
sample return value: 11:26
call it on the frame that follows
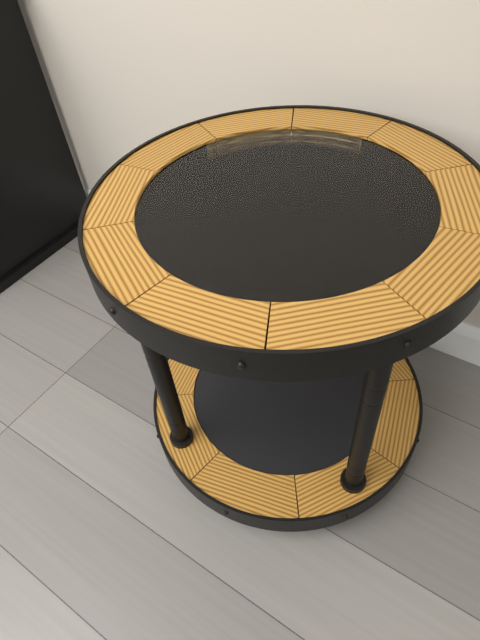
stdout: 1:37
